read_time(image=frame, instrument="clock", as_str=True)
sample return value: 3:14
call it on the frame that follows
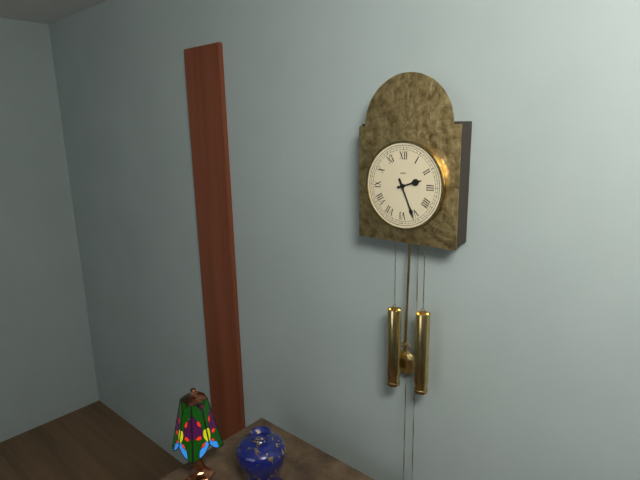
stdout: 2:26
